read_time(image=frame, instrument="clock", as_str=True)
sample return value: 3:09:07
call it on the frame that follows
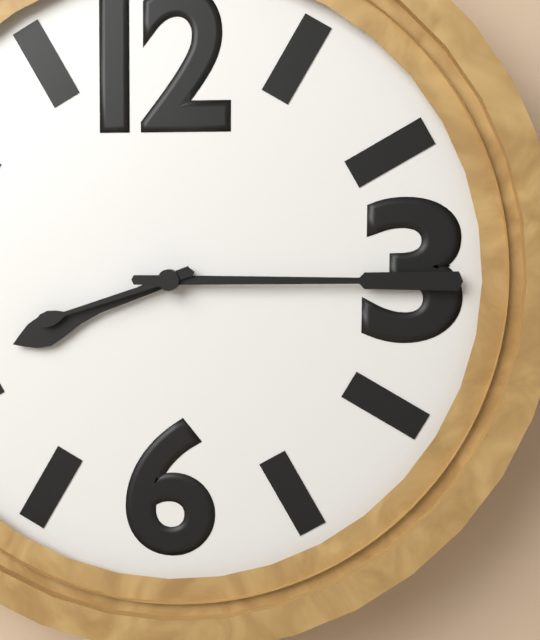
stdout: 8:15:42
